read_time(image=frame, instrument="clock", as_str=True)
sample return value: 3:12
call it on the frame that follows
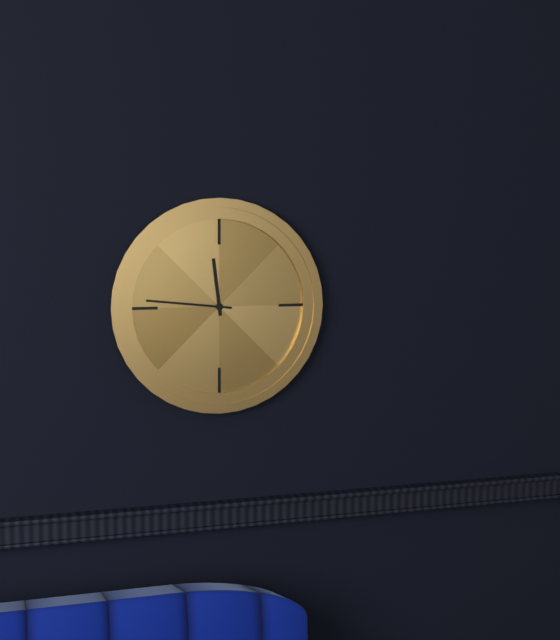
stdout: 11:46
